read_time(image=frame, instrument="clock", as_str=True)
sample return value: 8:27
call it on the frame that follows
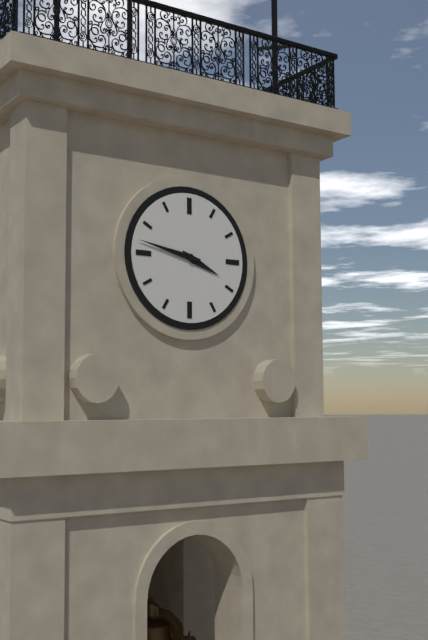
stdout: 3:47
